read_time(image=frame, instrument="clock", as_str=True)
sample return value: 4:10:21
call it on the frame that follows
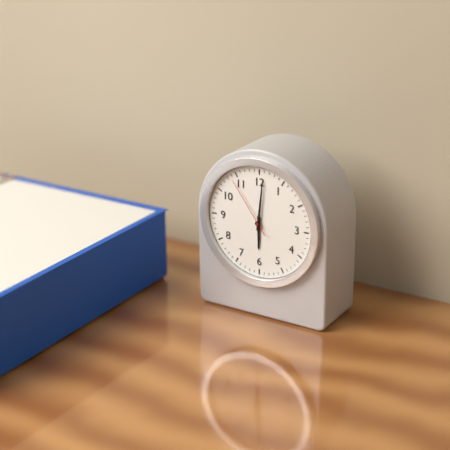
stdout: 6:01:54
